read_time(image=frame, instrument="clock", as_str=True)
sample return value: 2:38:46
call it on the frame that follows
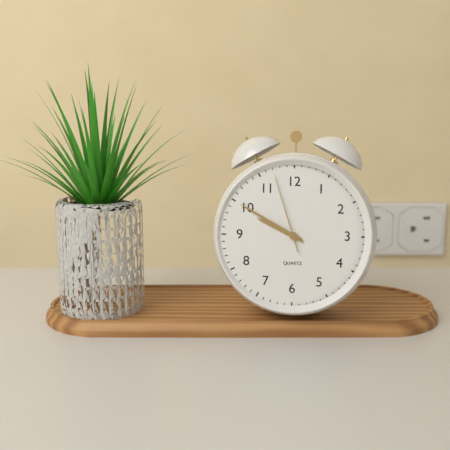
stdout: 9:50:57
